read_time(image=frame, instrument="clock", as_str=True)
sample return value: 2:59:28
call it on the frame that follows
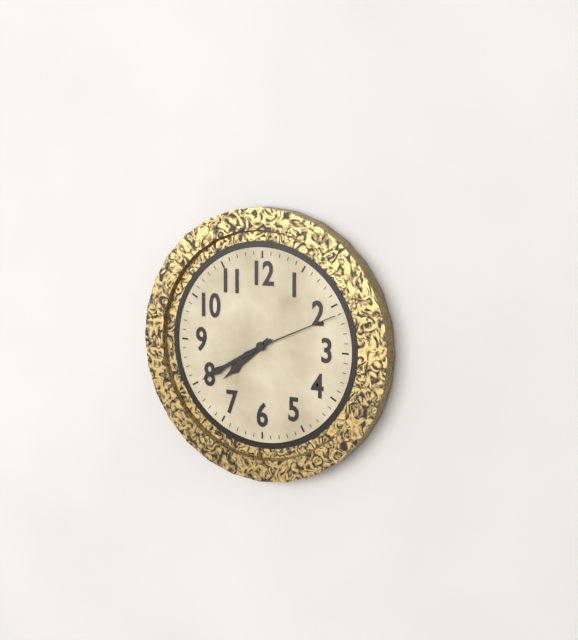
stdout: 7:40:11
